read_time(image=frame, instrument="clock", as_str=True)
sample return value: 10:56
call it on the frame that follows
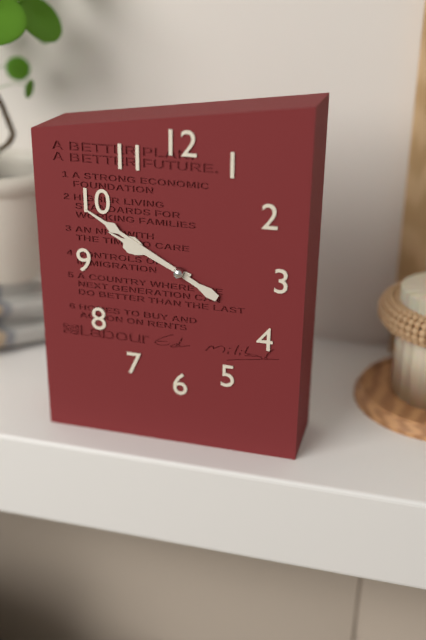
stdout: 9:50
